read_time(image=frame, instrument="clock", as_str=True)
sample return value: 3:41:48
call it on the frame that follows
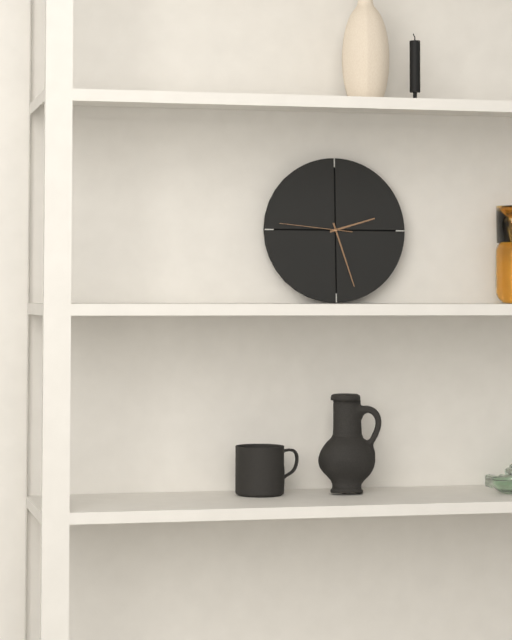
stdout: 2:27:46
